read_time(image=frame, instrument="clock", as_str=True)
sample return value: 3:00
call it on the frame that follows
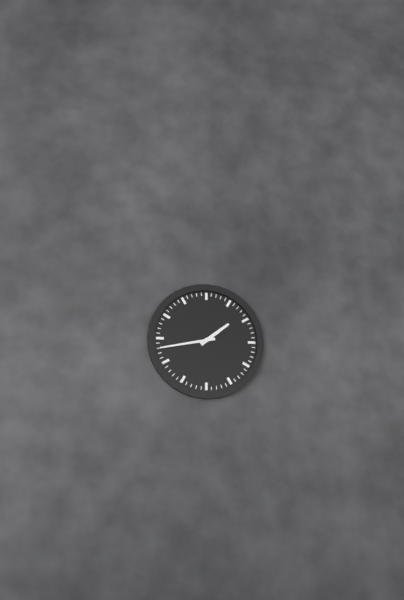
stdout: 1:43
